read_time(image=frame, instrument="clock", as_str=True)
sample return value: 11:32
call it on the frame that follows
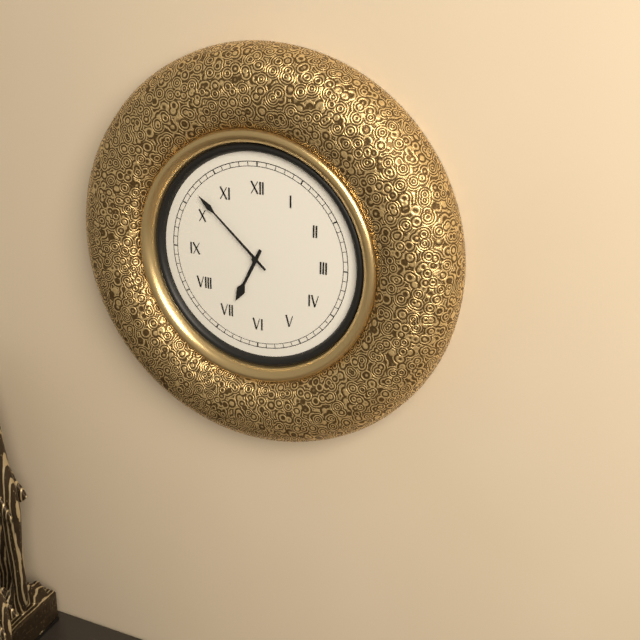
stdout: 6:52
